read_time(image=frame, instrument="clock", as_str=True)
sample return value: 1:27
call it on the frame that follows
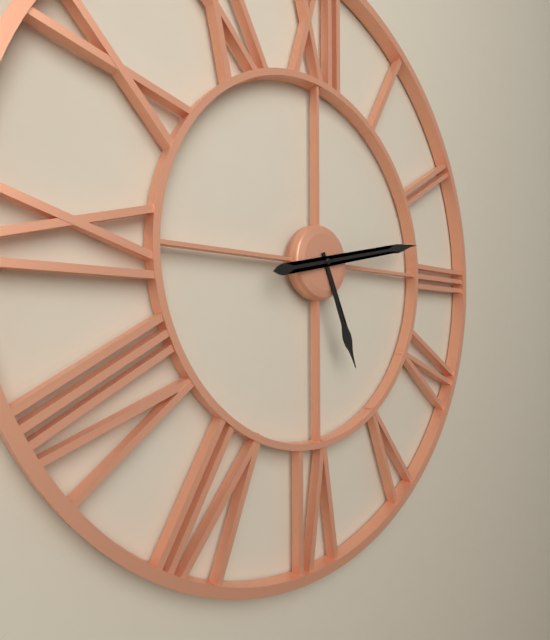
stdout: 5:13
